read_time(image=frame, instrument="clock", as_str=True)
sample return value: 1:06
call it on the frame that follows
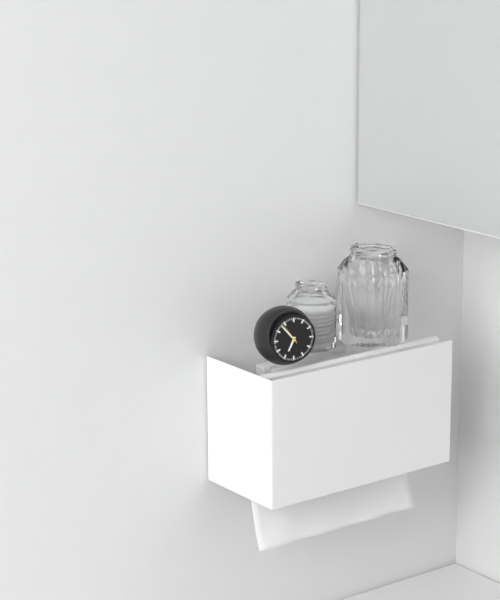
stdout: 6:53
